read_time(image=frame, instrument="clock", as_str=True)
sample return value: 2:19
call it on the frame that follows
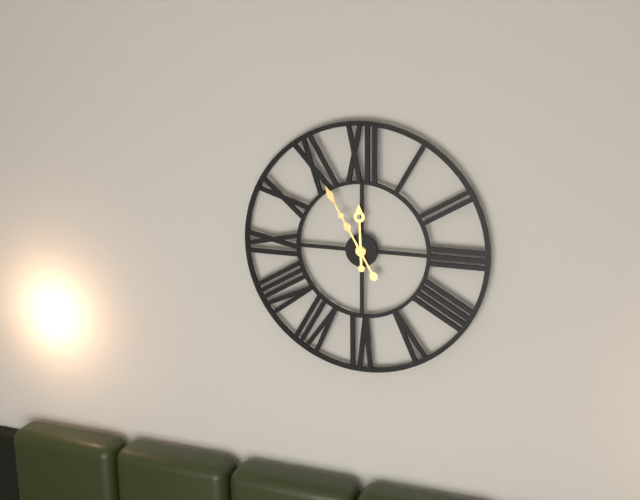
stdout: 11:55
